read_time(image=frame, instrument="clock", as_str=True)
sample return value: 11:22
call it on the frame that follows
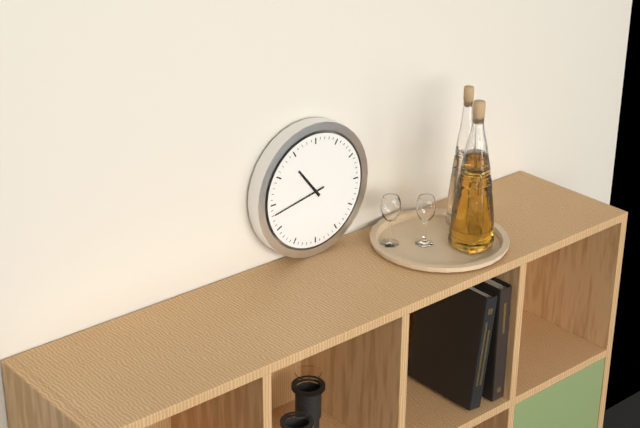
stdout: 10:43
